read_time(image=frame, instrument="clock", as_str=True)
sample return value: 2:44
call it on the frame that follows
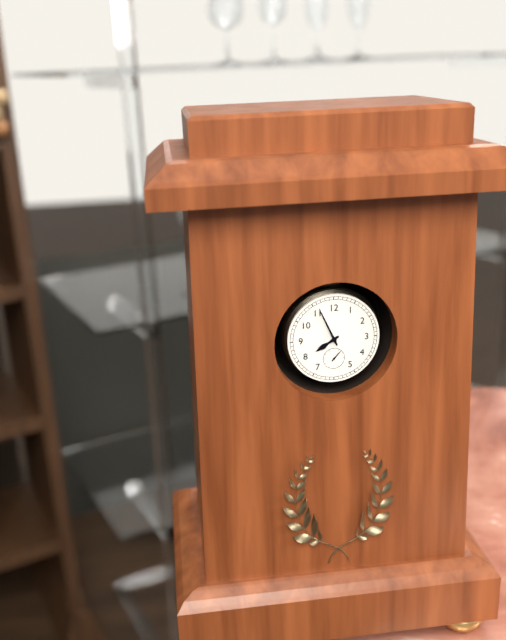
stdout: 7:56
